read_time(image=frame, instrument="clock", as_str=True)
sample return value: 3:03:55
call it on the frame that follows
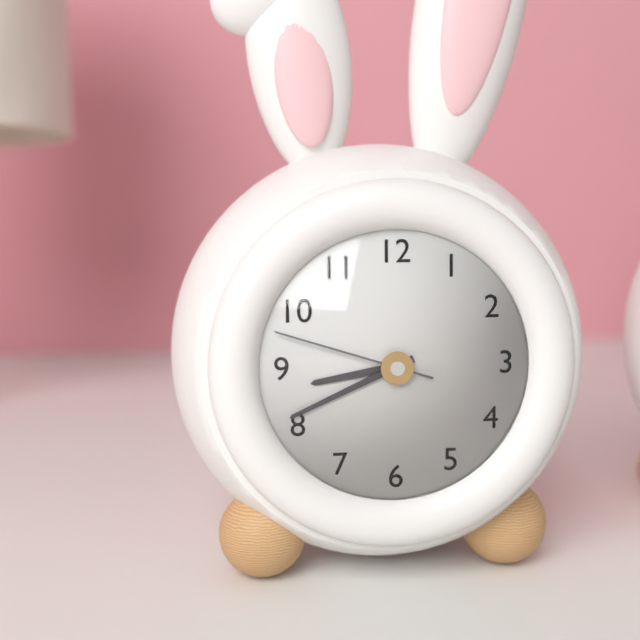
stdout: 8:41:48
